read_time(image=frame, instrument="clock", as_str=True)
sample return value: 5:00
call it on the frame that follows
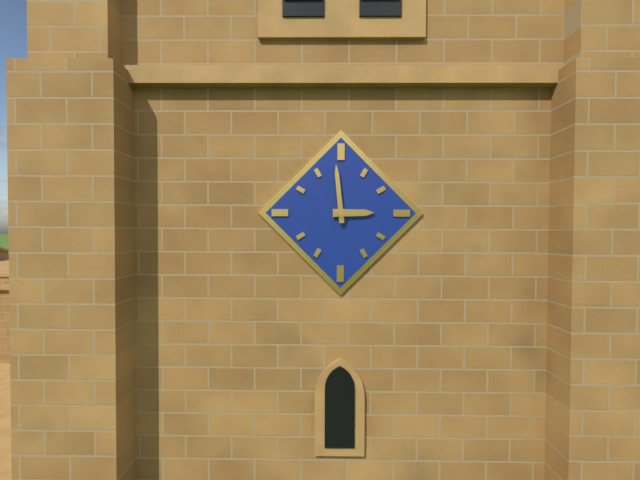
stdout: 2:59
